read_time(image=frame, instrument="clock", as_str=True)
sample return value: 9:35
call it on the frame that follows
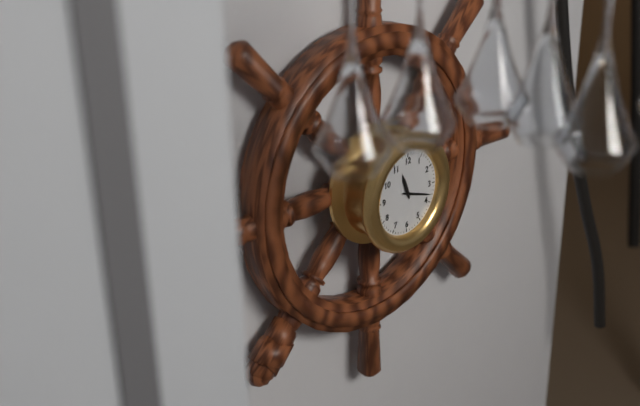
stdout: 11:18
